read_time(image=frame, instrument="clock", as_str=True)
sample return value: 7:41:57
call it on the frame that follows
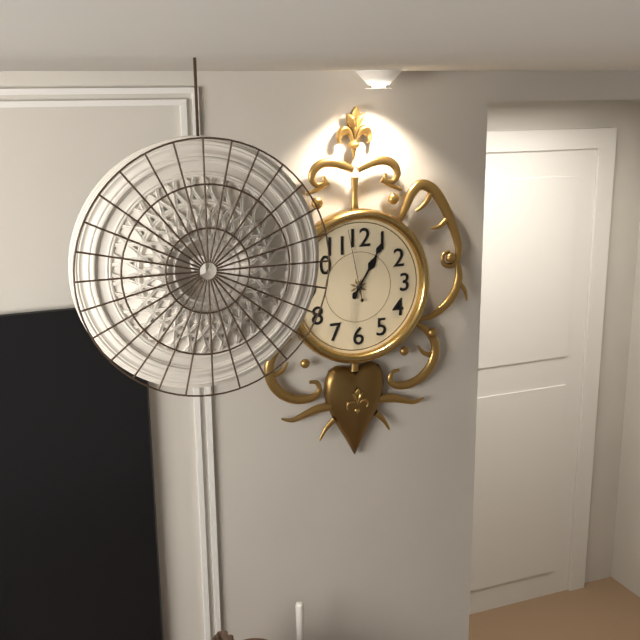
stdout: 1:05:58
